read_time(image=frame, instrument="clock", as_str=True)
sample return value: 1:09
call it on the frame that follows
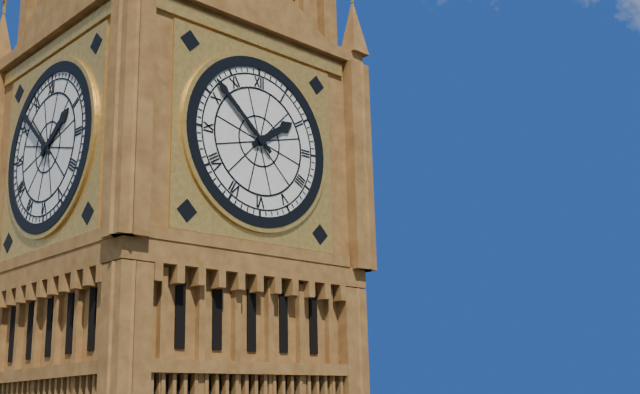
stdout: 1:52
